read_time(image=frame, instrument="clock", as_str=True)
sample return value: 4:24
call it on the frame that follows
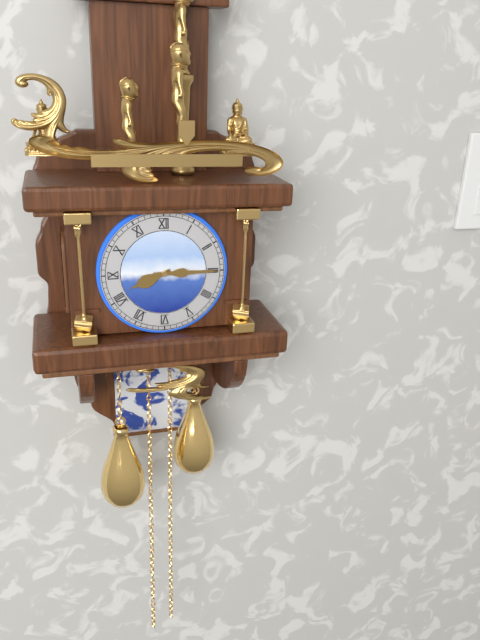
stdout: 8:15
